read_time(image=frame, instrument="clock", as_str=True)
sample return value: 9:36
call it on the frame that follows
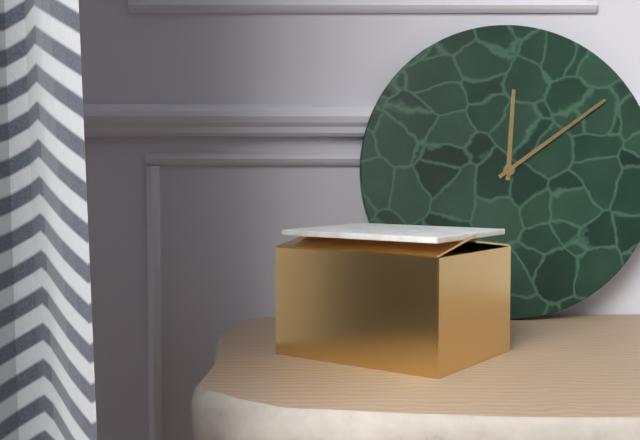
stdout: 12:09
